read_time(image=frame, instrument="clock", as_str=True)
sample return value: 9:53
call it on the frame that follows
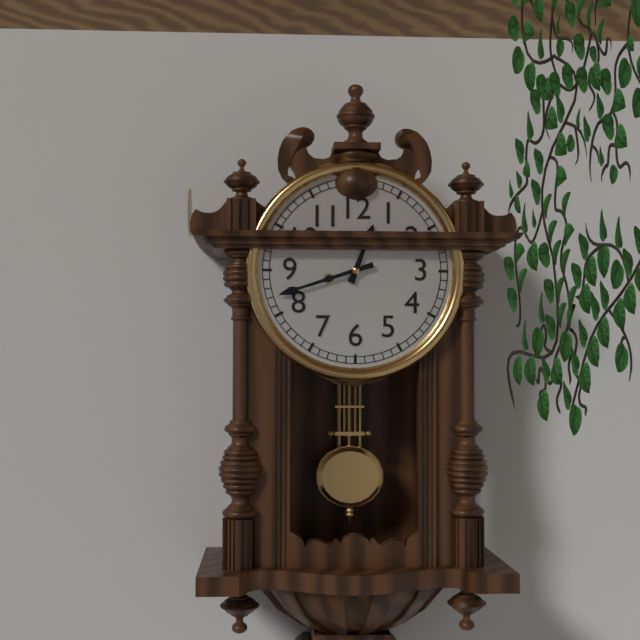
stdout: 12:42
